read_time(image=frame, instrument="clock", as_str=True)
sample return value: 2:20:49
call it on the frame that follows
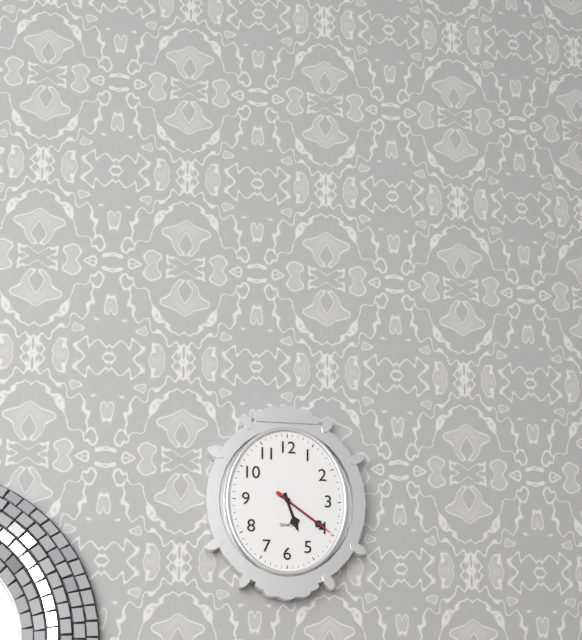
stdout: 5:21:21
